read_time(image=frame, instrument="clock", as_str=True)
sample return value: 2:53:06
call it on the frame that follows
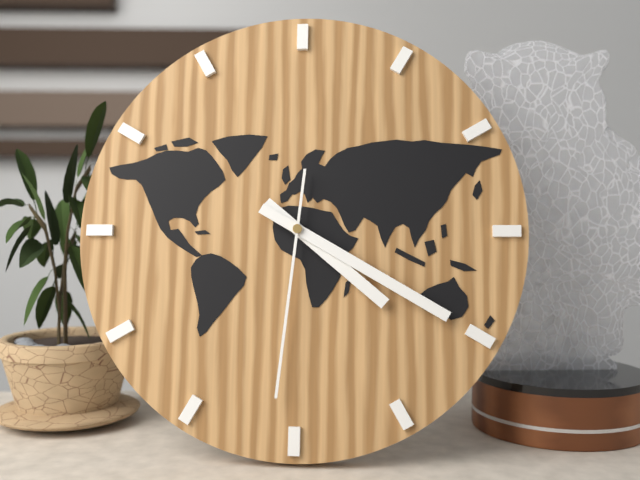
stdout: 4:20:31
